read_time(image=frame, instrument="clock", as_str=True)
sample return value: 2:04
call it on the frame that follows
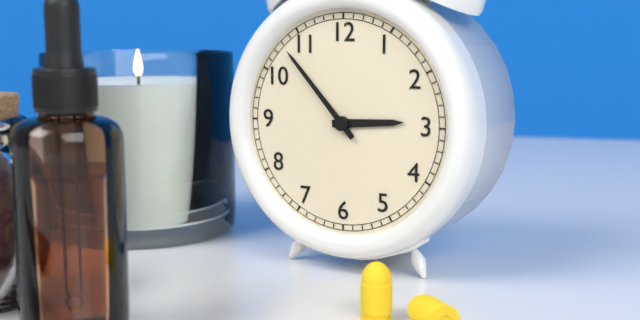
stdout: 2:53
